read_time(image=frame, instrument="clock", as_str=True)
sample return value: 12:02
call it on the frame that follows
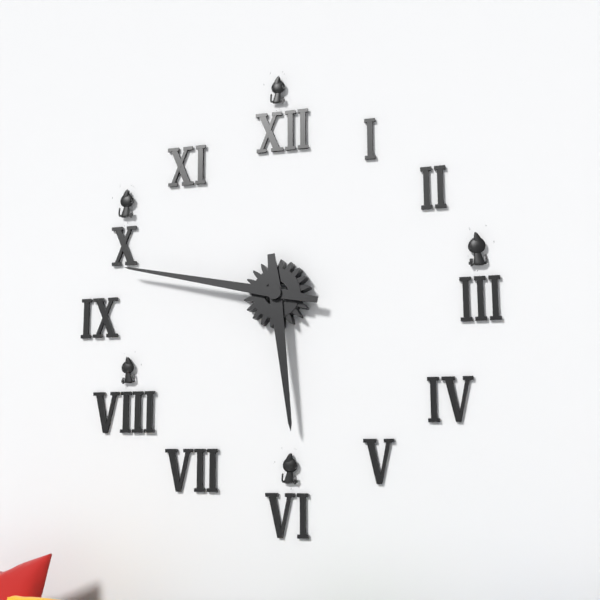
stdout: 5:47
